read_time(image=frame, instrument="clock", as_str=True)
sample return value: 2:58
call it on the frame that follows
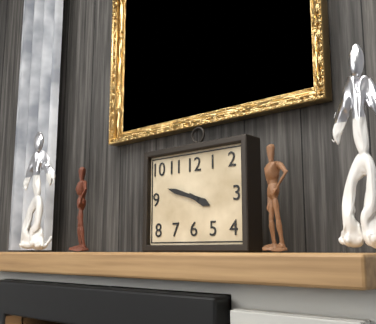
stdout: 3:48
